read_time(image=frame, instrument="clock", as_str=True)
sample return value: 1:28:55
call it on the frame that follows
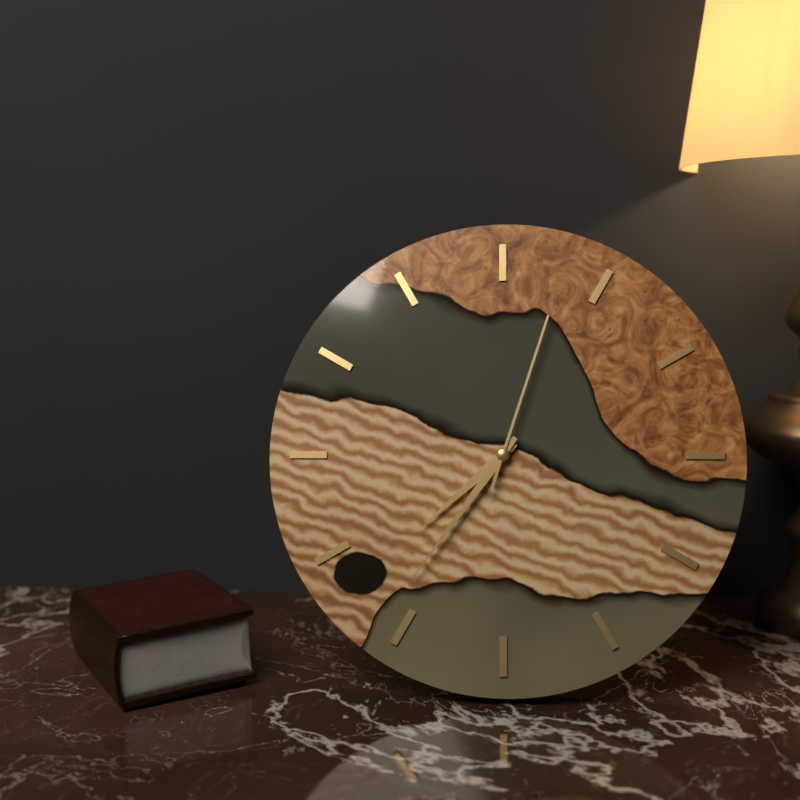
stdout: 7:36:03
